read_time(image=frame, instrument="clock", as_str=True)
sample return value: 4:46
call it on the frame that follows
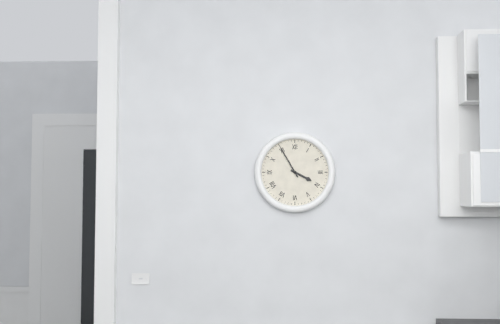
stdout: 3:55
